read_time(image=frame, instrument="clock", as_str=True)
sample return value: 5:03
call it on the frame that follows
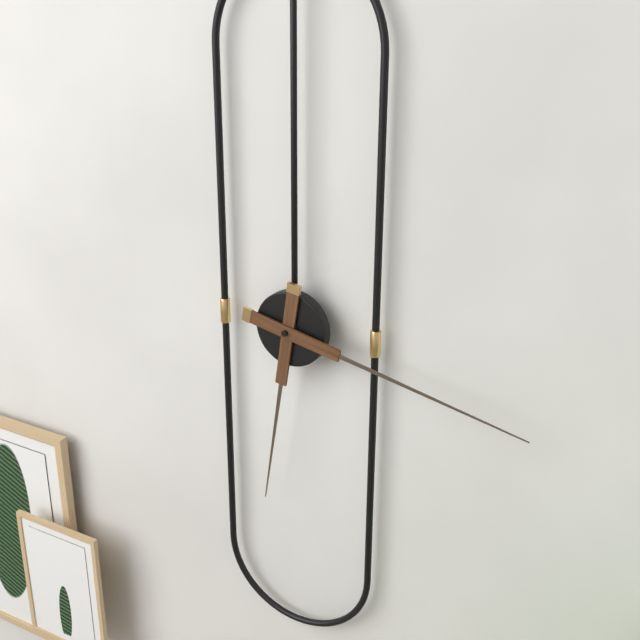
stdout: 6:17
